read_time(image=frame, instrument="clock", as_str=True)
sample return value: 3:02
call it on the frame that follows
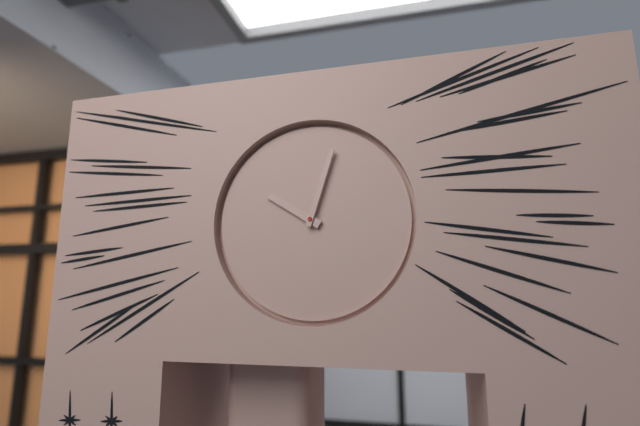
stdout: 10:03
